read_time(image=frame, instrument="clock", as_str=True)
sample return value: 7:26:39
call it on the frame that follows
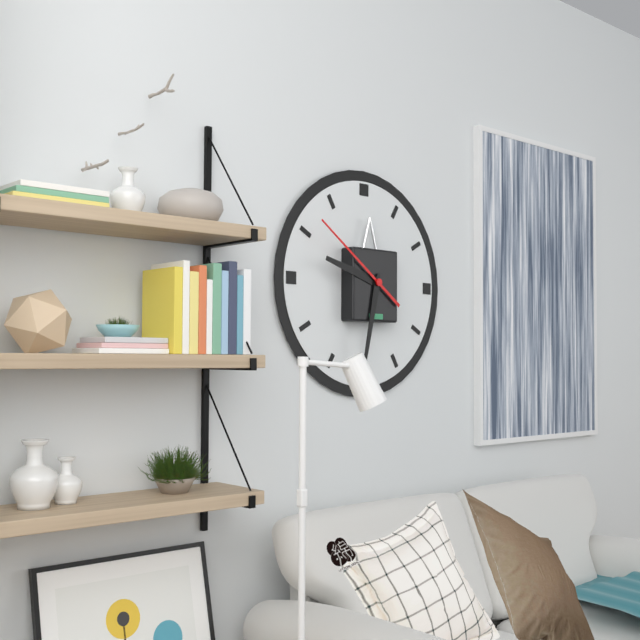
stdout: 9:32:51
